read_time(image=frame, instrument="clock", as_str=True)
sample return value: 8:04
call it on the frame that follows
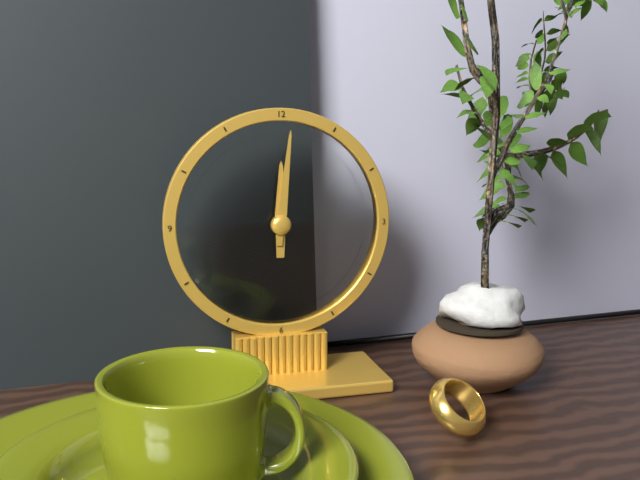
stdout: 12:01
